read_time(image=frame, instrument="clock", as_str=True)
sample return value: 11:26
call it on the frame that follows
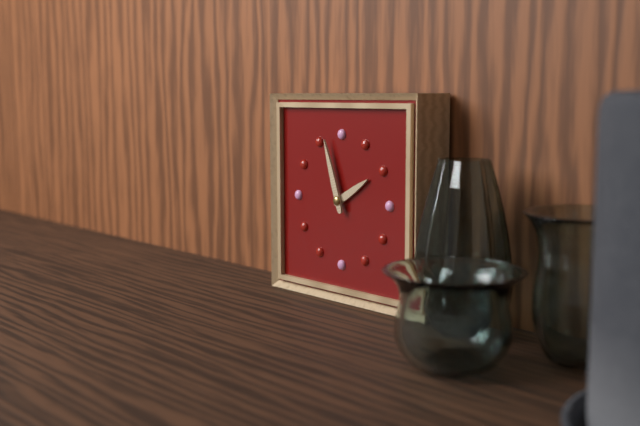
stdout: 1:57
